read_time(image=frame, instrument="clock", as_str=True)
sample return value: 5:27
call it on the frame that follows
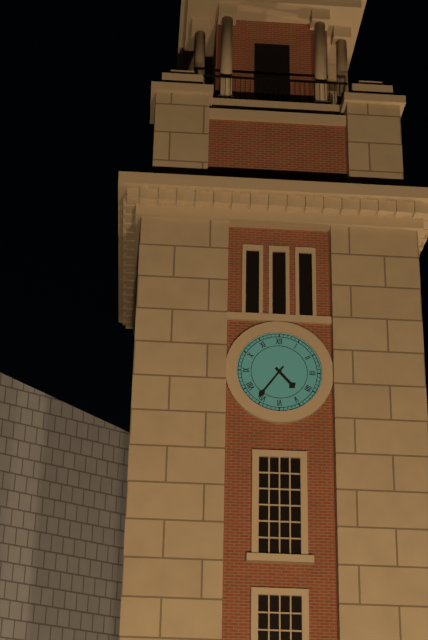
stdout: 4:36
